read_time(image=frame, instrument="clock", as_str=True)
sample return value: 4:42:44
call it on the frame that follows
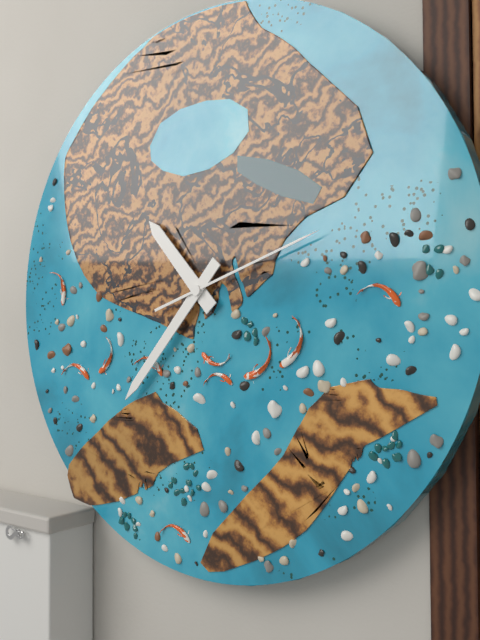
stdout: 10:37:12
